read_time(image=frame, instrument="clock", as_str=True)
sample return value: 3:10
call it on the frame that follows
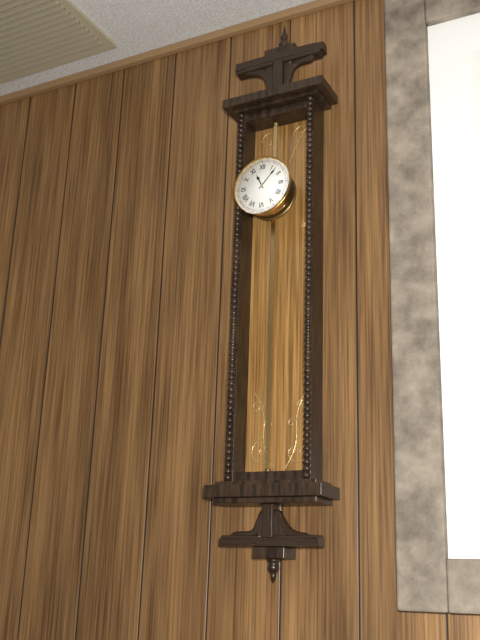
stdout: 11:07
